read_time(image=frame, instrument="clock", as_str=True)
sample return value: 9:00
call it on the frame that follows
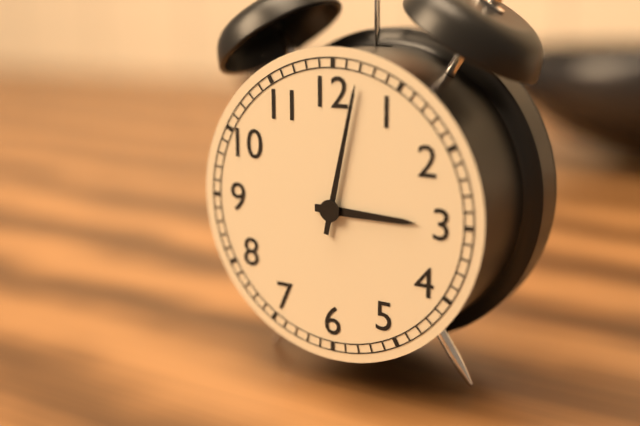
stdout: 3:02
